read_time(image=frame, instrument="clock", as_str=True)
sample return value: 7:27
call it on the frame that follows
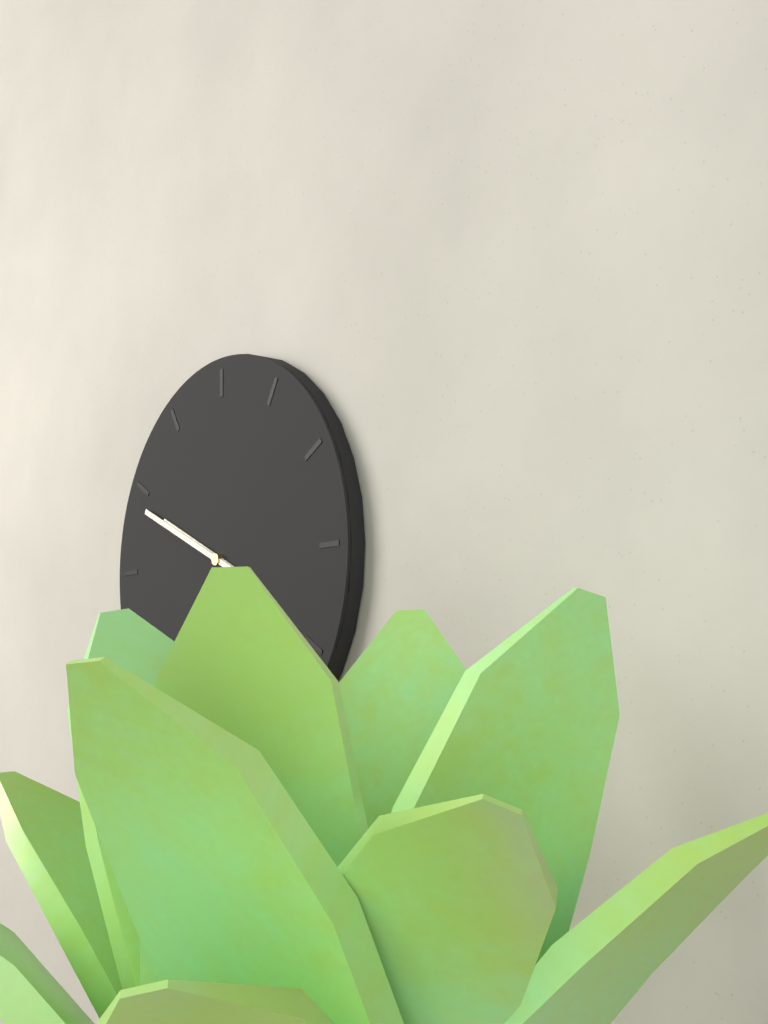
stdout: 9:49
